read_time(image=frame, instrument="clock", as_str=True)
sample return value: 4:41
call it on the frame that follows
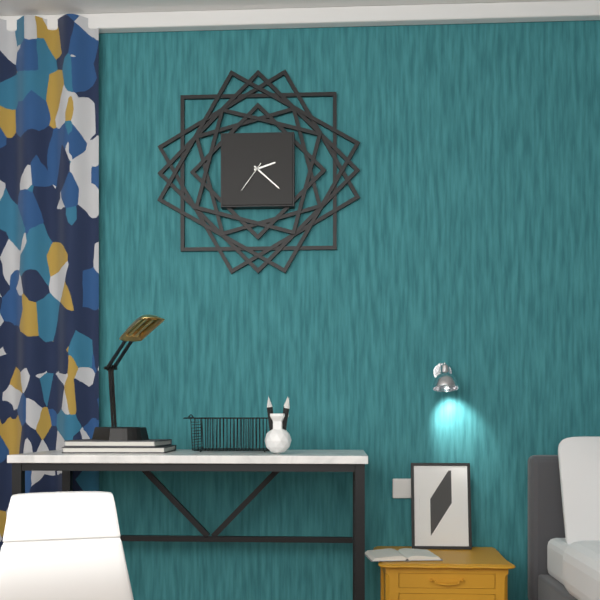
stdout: 2:22
